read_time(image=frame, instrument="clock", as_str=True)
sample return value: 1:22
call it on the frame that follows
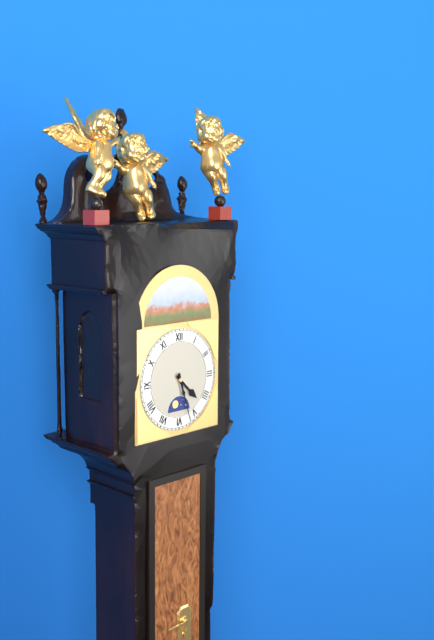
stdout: 4:27
